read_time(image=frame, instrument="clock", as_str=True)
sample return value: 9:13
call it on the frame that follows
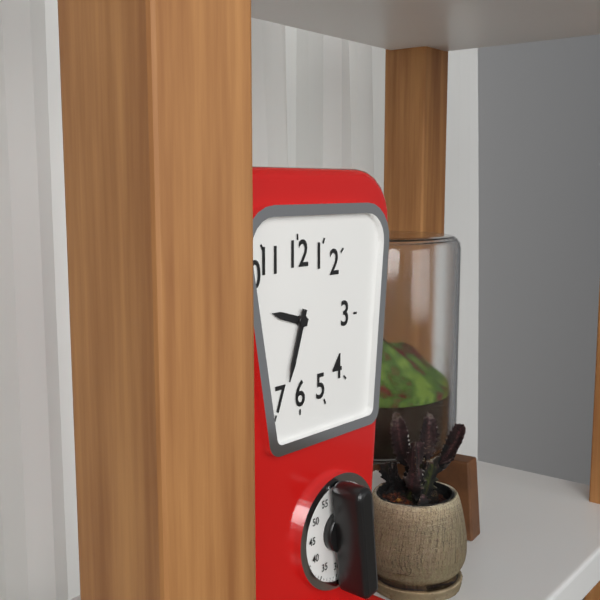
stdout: 9:33
